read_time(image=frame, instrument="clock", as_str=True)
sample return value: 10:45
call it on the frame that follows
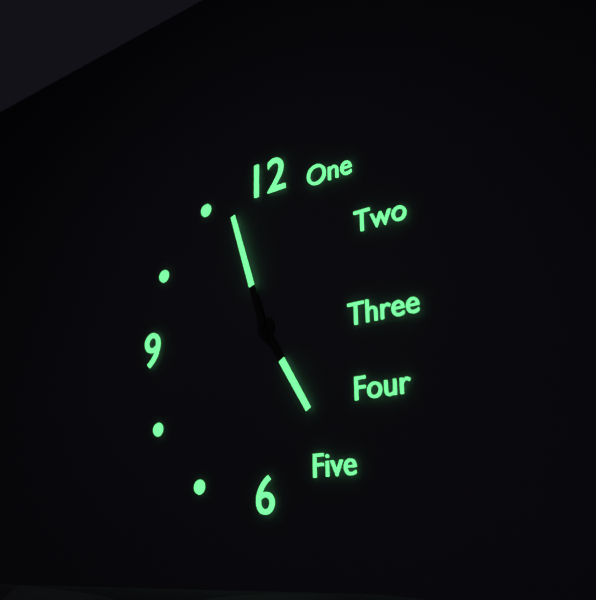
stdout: 4:57
